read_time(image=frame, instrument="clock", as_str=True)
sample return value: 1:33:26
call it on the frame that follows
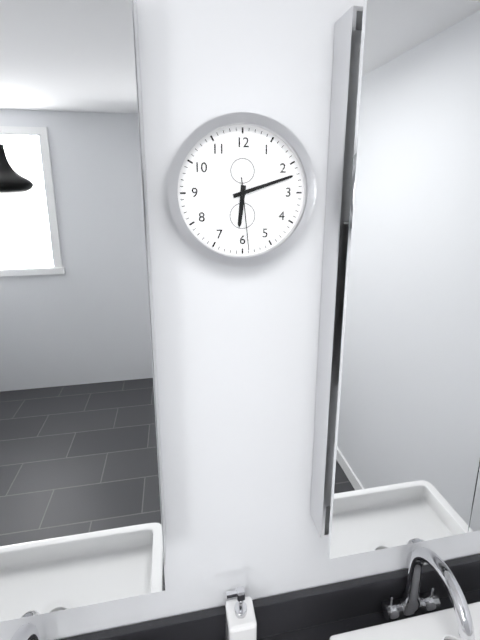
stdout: 6:12:29
